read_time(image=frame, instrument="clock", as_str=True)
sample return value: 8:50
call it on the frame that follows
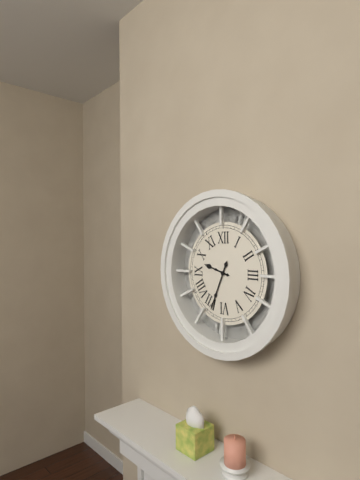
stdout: 9:34
